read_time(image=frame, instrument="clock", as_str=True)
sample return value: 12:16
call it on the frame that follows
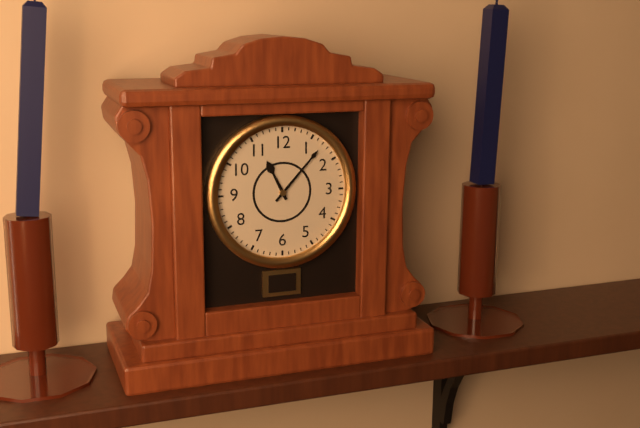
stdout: 11:07
